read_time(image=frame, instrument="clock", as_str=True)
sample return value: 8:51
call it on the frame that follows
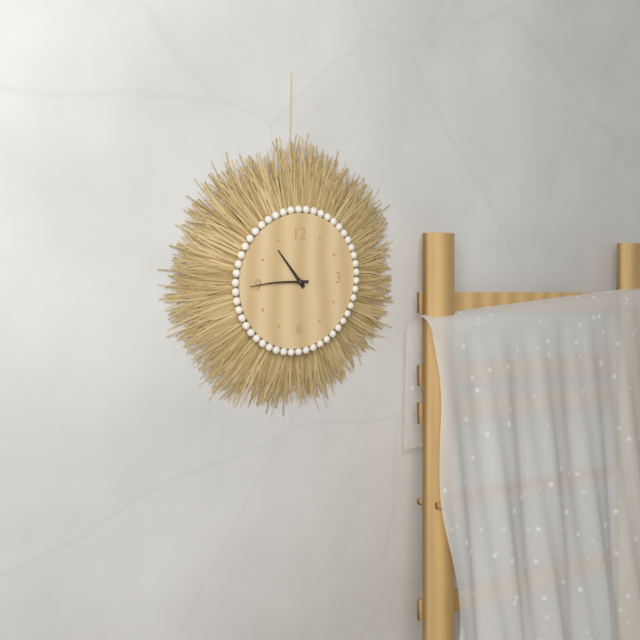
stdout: 10:45
